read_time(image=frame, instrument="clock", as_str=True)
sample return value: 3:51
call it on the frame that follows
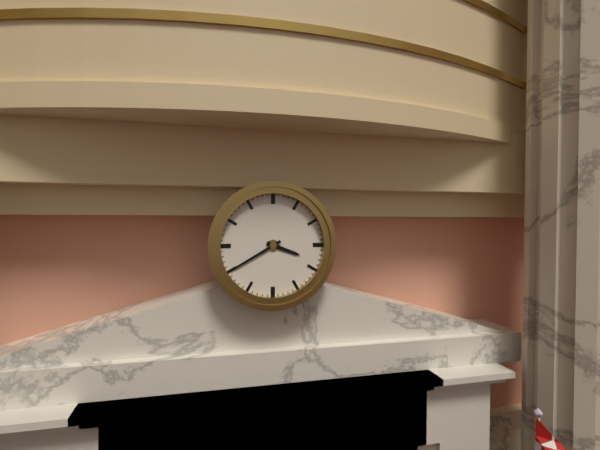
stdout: 3:40
